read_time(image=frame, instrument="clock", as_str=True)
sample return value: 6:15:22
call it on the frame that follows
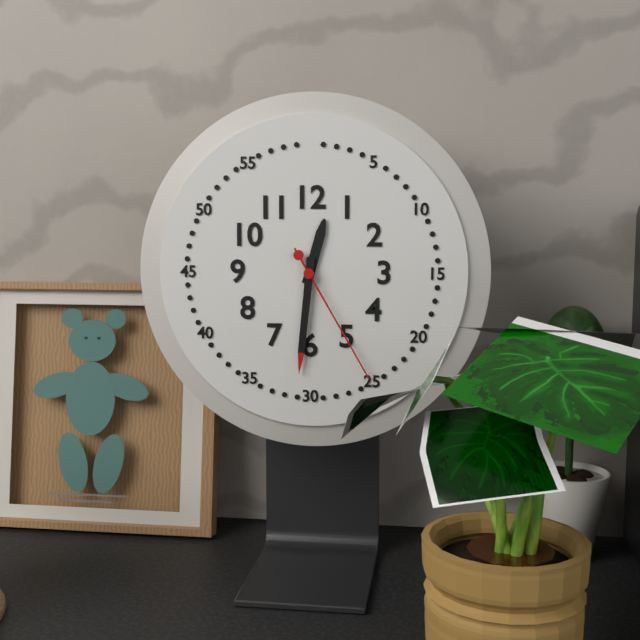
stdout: 12:31:25
